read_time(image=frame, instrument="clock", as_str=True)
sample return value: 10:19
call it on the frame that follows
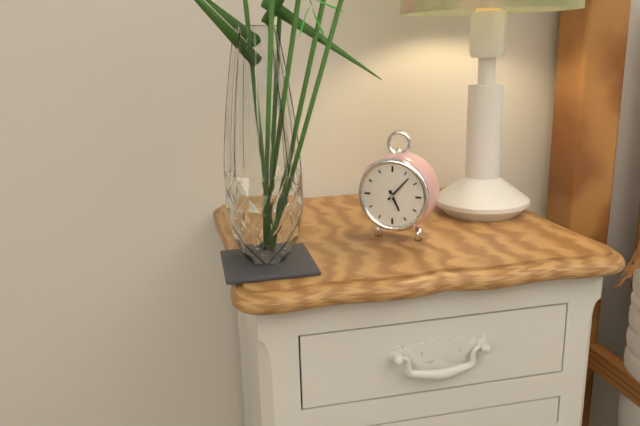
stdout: 5:07
